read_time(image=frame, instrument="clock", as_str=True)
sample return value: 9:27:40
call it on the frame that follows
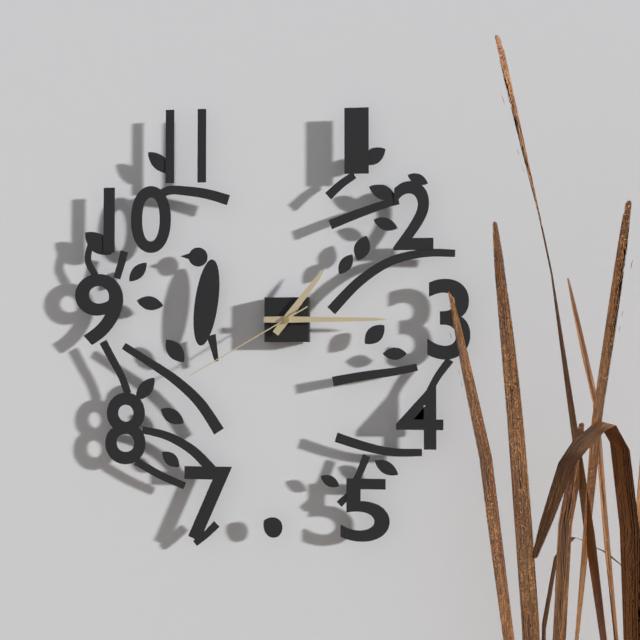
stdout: 1:15:40
